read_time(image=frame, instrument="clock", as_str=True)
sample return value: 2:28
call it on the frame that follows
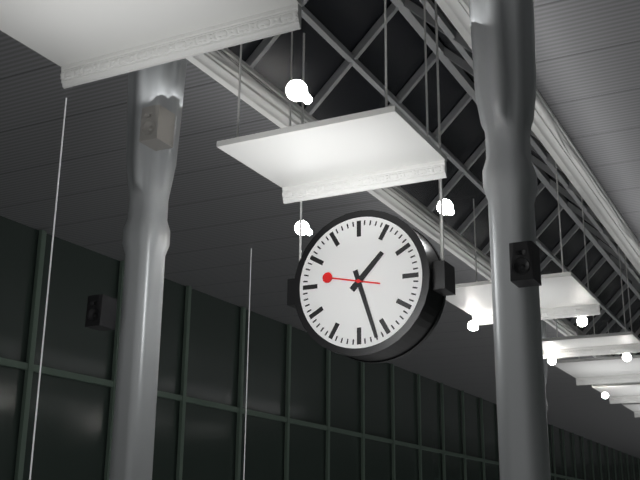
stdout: 1:27
